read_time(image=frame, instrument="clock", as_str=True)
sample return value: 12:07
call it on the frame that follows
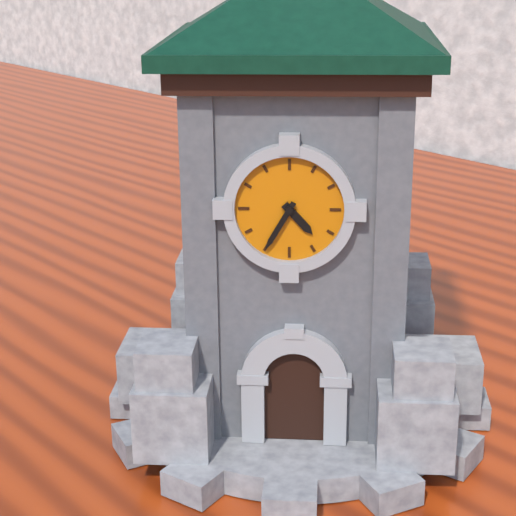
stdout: 4:35
